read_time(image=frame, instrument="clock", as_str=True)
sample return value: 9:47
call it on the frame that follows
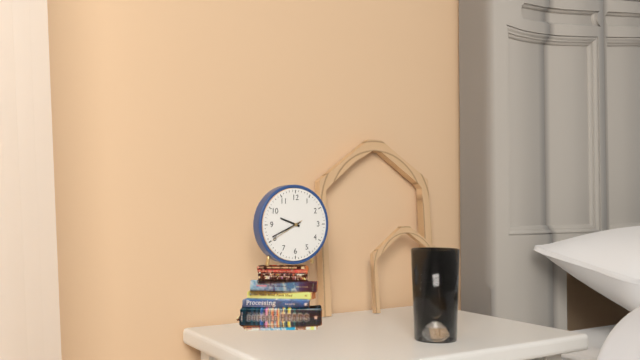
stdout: 9:41
